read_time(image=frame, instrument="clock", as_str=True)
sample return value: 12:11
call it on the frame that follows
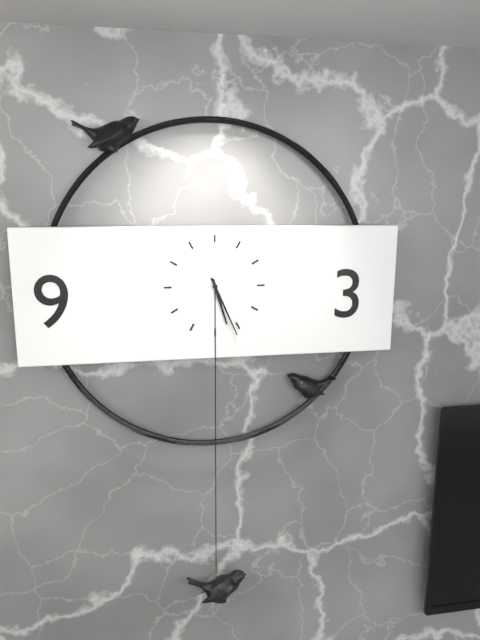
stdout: 5:26
